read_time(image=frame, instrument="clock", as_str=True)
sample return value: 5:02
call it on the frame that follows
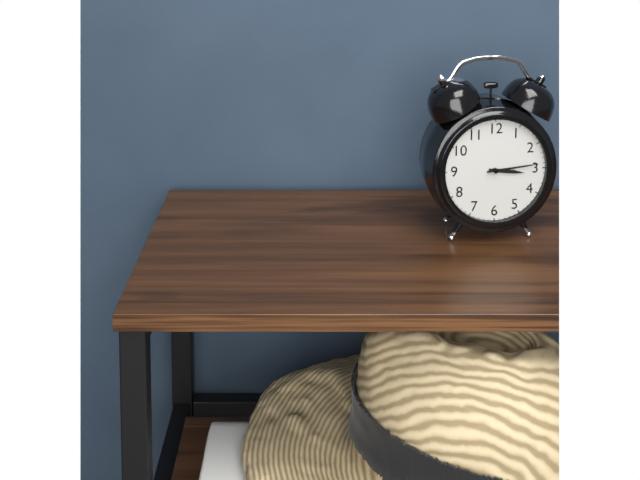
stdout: 3:14
